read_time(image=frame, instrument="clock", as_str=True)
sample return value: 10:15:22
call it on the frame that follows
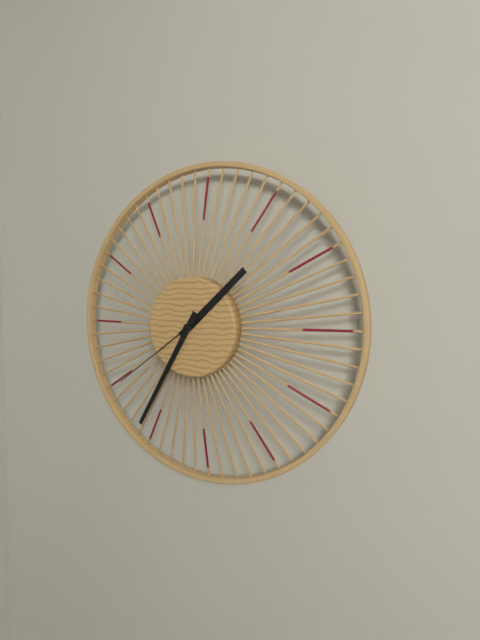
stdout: 1:35:39
